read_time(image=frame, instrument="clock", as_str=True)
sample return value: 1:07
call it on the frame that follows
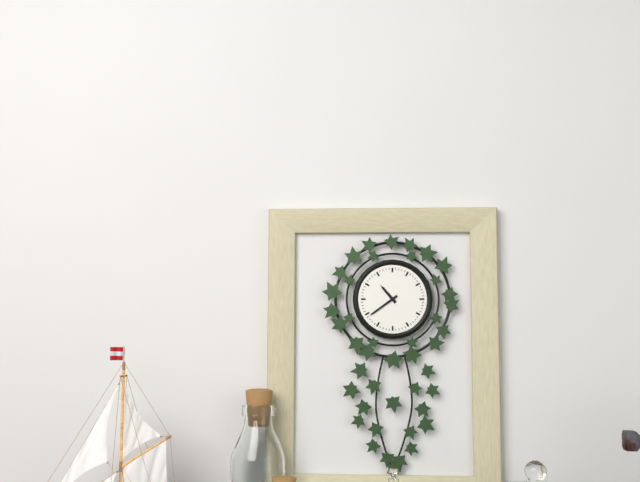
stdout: 10:39
